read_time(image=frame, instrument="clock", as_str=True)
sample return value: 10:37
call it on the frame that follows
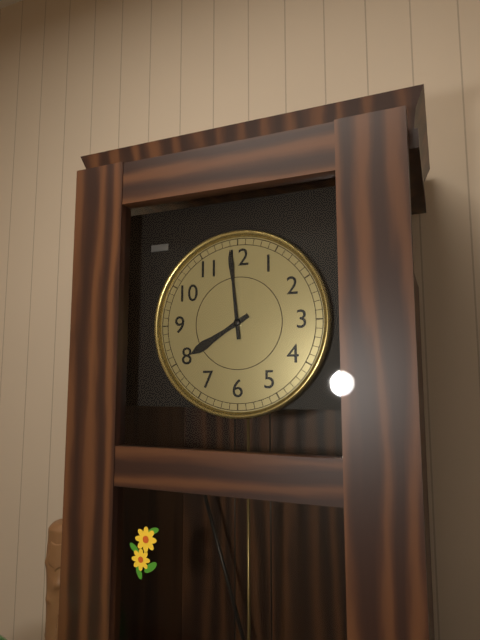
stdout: 7:59
